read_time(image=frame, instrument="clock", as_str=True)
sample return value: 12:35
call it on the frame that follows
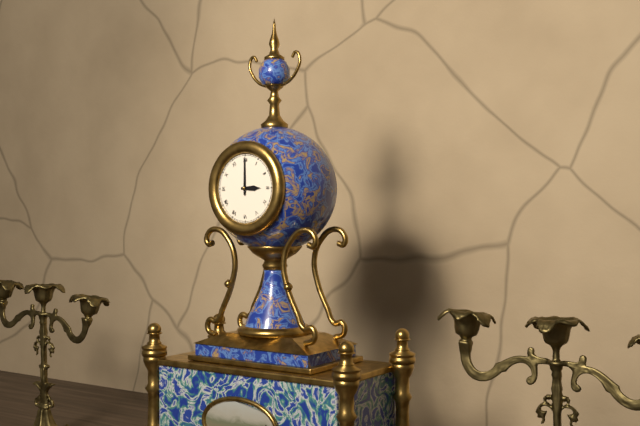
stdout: 3:00
